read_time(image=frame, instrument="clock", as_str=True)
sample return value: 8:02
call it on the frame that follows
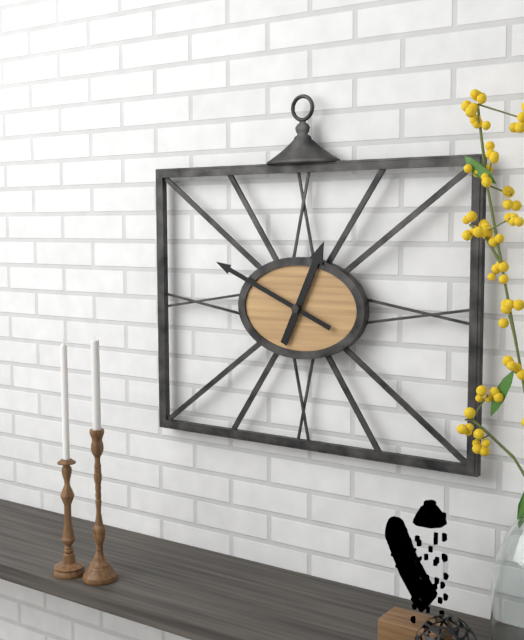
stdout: 12:49
